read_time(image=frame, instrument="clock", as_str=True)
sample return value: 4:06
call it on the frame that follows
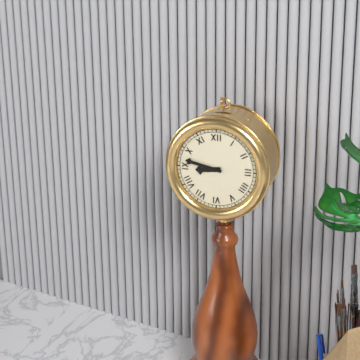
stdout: 8:47
